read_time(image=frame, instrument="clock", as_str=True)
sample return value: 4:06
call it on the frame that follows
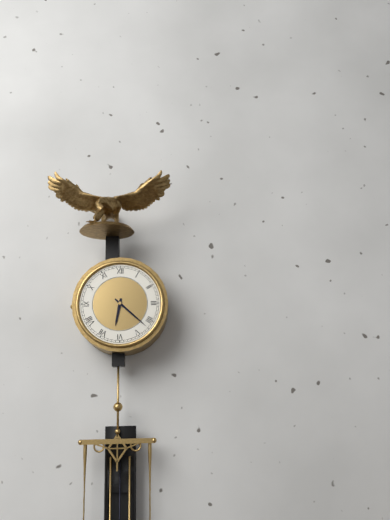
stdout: 6:22
